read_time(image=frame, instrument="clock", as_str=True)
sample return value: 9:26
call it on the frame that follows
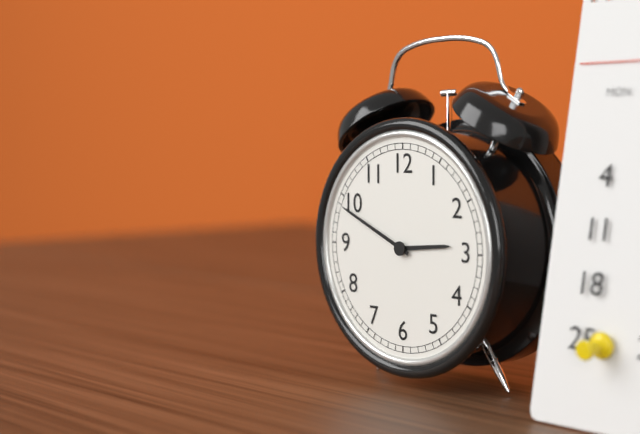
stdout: 2:49
